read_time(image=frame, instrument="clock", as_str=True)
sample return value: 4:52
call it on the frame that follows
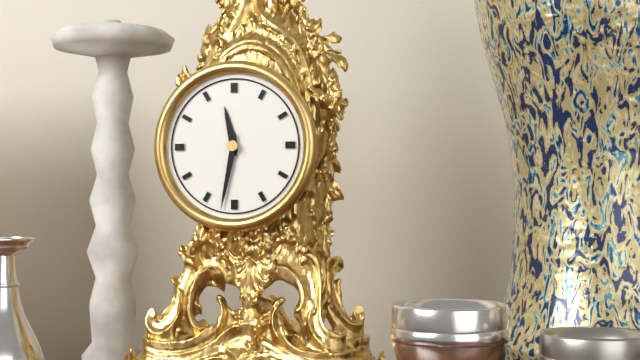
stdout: 11:32
